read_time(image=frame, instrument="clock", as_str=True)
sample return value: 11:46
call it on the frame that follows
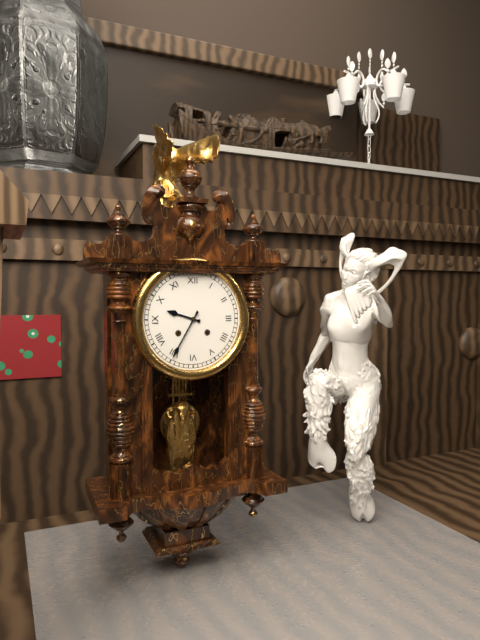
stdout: 9:35
